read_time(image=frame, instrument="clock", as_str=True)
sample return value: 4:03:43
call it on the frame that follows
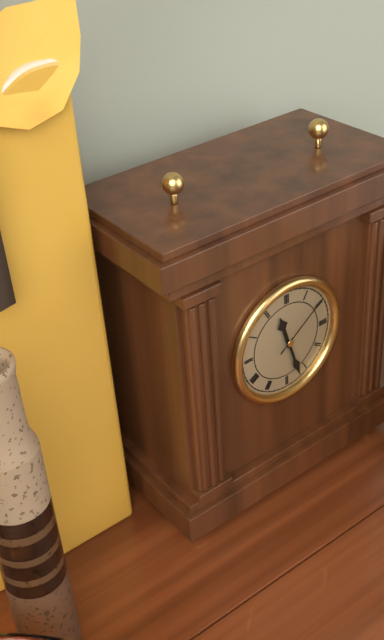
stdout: 11:27:09
